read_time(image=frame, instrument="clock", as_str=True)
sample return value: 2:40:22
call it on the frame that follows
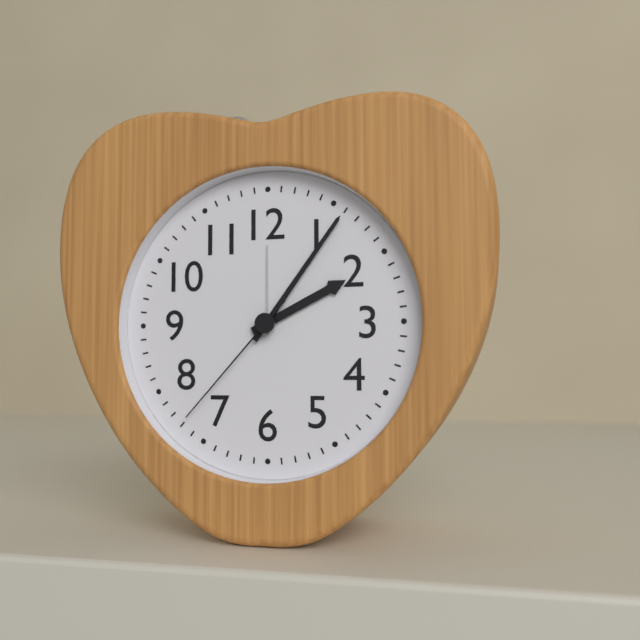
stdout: 2:06:37
